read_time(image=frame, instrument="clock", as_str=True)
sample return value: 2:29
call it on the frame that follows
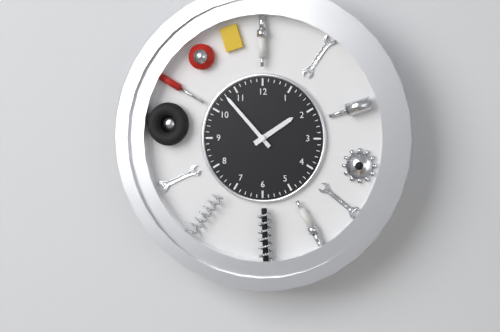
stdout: 1:53
